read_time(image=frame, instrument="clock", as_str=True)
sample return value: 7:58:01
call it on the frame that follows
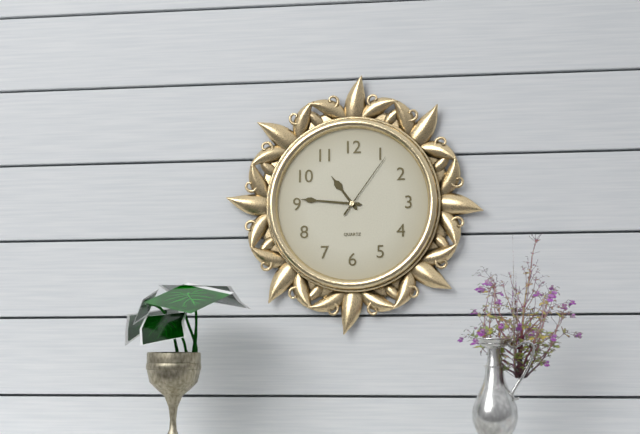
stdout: 10:46:06
